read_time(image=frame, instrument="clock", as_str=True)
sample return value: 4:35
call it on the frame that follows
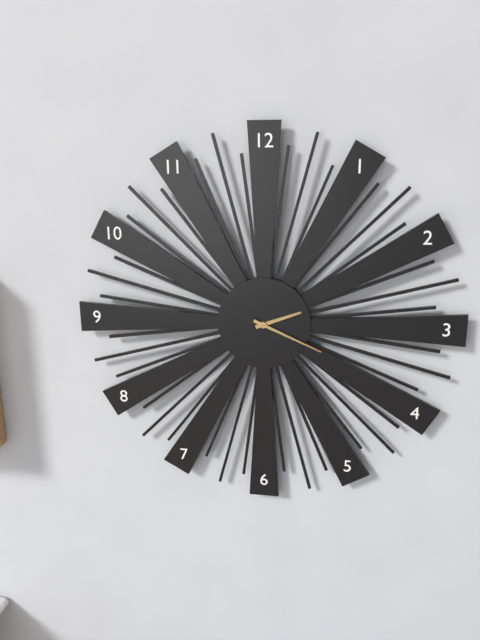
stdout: 2:19
